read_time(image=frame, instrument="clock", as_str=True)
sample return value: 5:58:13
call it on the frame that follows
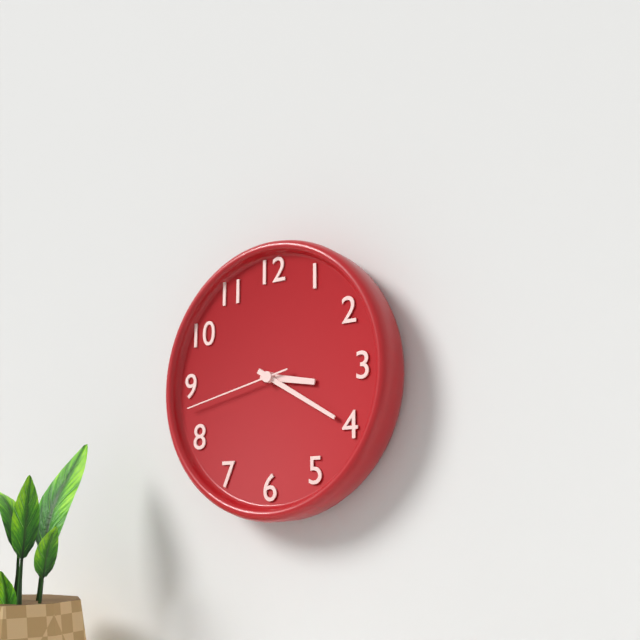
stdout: 3:20:43
